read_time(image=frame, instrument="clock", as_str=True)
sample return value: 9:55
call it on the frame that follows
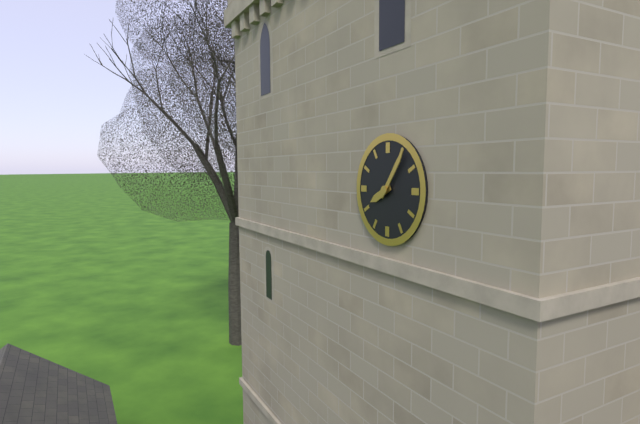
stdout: 8:06
